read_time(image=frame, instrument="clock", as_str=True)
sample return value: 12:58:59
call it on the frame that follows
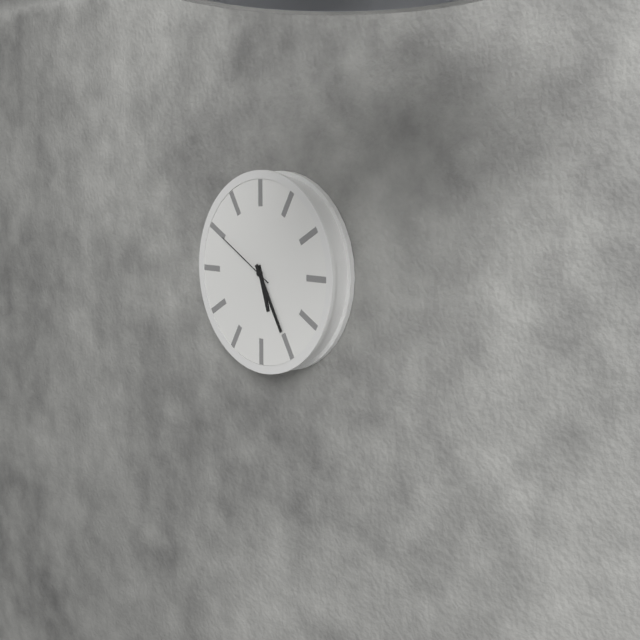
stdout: 5:25:50
